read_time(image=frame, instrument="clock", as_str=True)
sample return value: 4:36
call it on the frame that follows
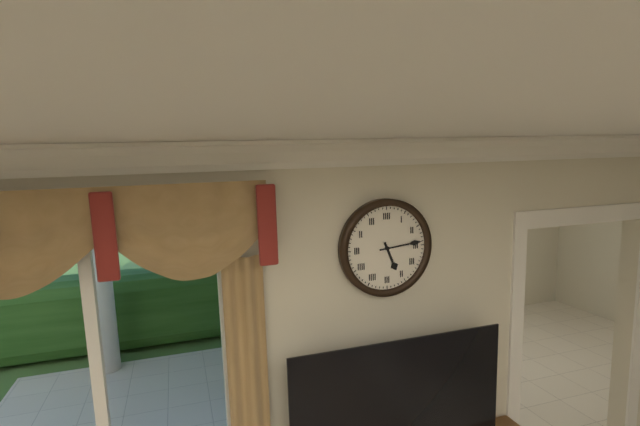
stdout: 5:14
